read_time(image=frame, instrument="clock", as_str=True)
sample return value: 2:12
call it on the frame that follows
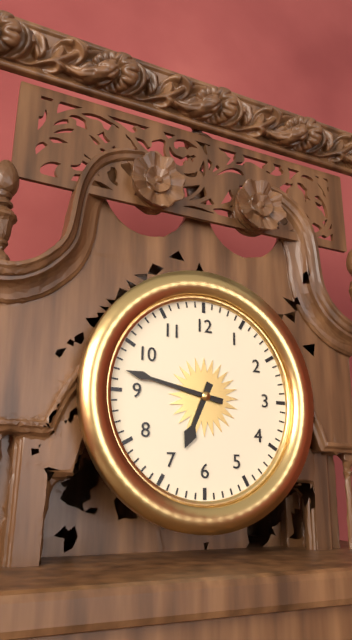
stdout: 6:47
